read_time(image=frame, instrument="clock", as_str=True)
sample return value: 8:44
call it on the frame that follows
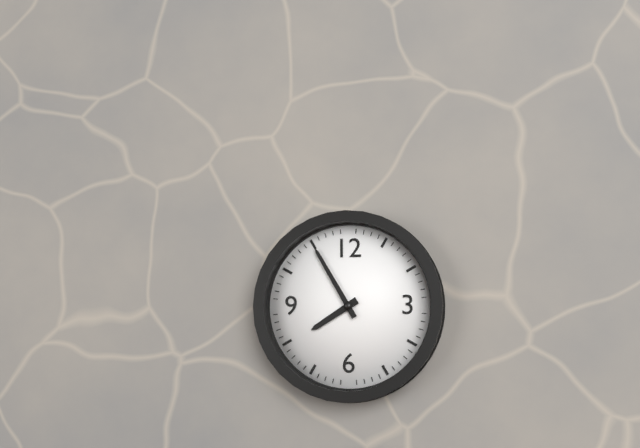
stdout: 7:55
